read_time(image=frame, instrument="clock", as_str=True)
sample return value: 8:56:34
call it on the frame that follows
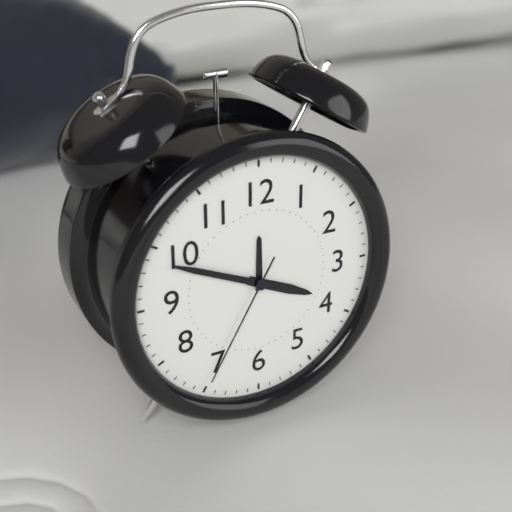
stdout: 3:49:35
